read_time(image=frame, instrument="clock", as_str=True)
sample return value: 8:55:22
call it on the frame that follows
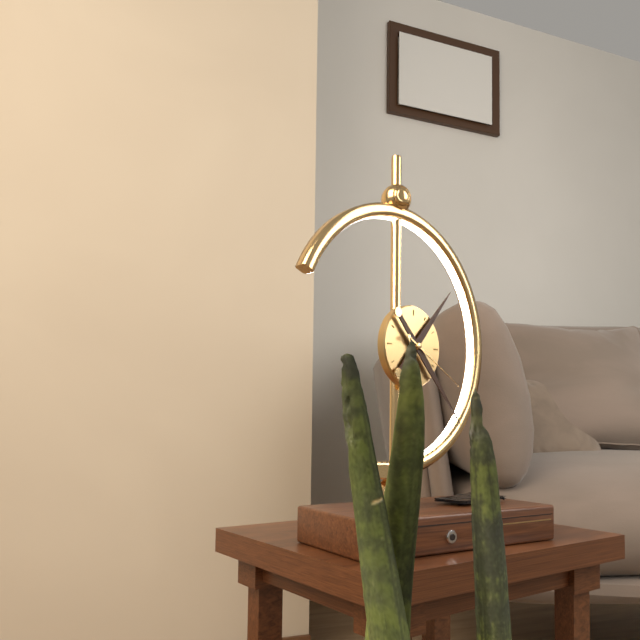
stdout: 1:23:20
